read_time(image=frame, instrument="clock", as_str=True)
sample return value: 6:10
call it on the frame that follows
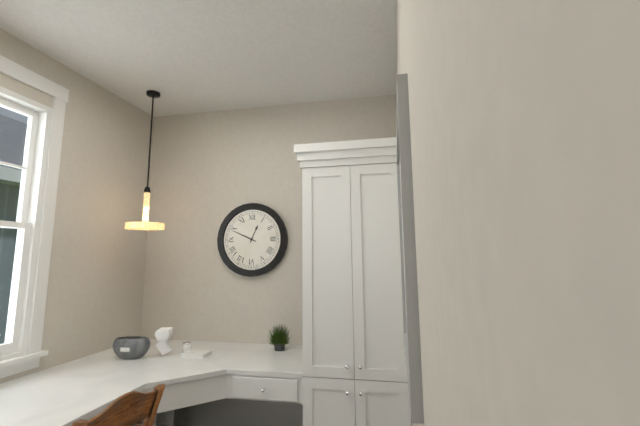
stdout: 12:49
